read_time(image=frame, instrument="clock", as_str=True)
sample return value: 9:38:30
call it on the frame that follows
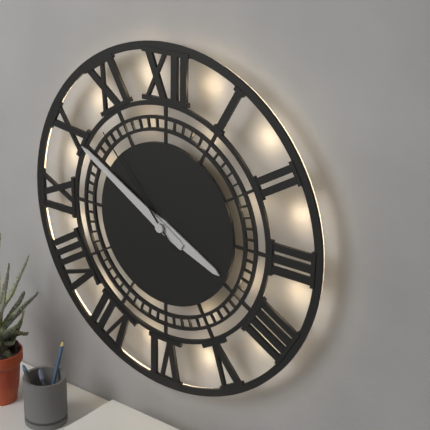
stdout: 3:50:53
